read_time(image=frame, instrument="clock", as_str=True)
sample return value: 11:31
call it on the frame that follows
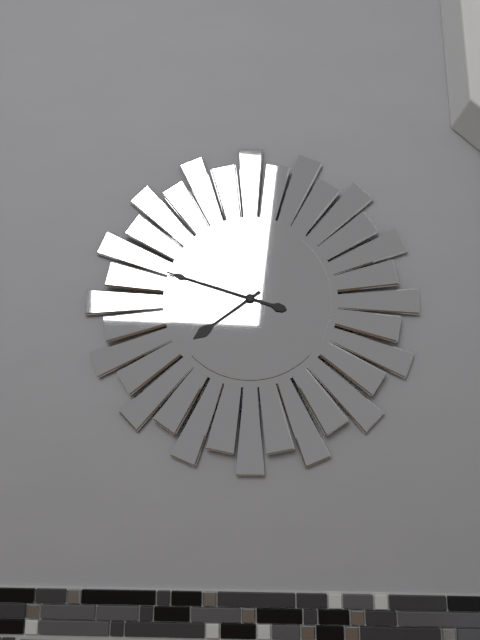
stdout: 7:48
